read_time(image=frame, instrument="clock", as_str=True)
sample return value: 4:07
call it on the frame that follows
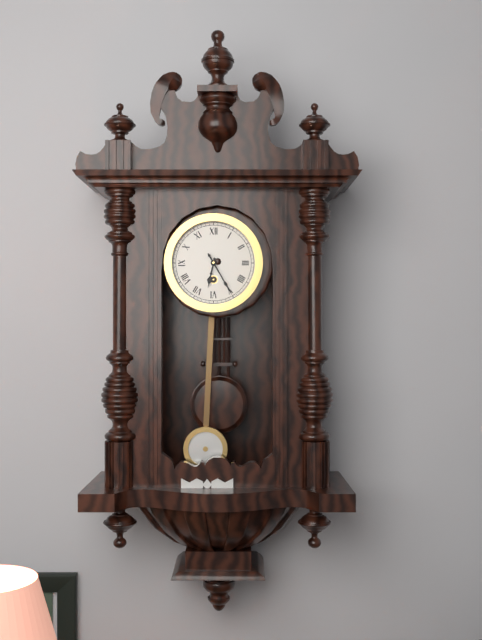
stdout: 6:25
